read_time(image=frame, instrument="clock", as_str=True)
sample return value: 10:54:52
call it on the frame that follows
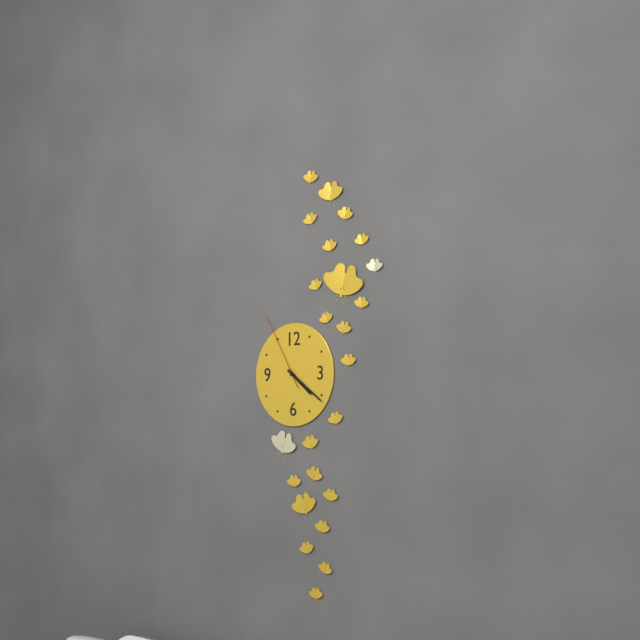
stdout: 4:21:55
